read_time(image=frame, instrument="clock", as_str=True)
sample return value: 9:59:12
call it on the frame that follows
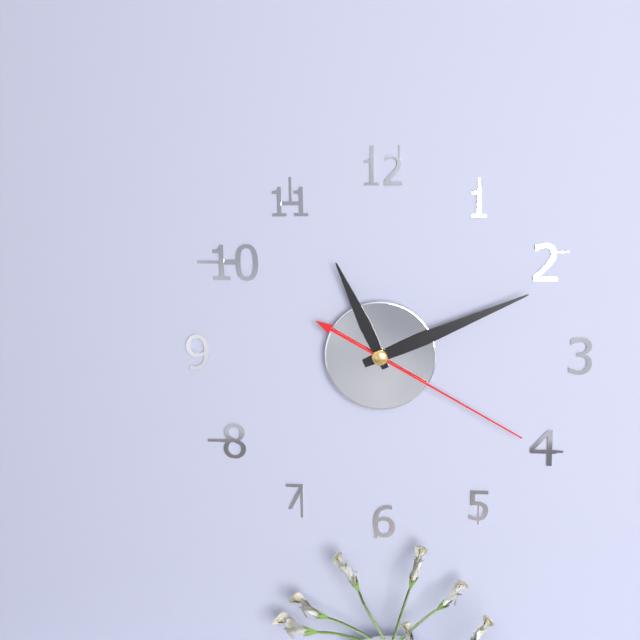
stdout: 11:11:20
